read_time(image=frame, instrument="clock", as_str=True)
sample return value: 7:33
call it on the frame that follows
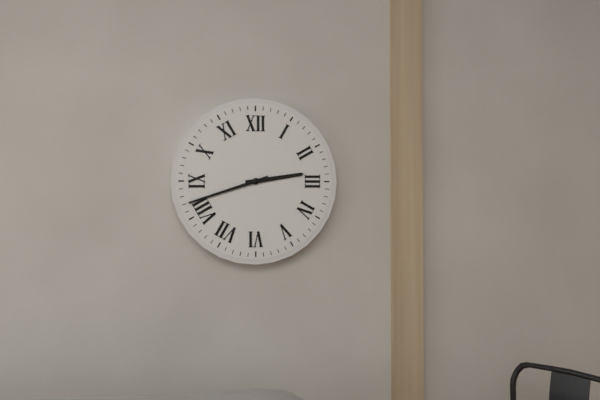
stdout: 2:42
